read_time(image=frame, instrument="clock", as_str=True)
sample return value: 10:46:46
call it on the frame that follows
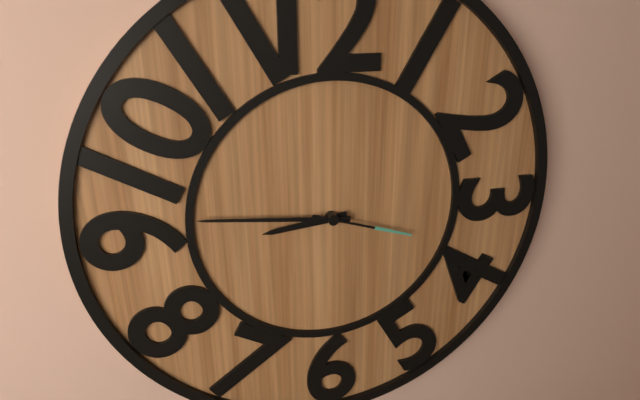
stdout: 8:46:18
